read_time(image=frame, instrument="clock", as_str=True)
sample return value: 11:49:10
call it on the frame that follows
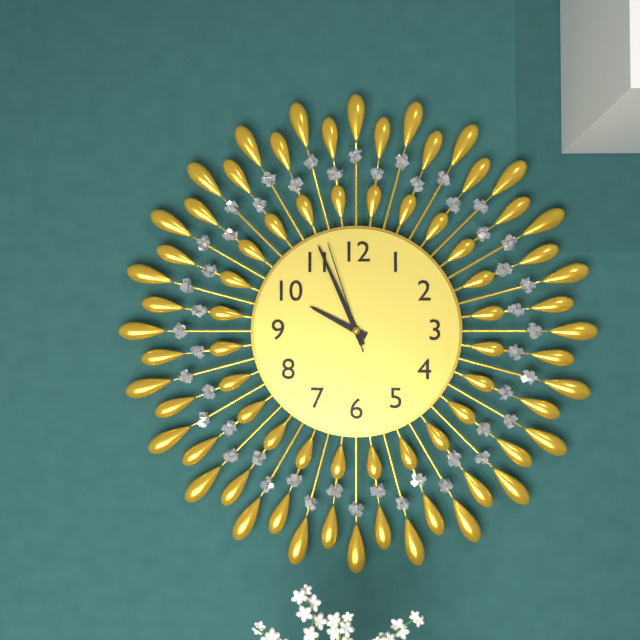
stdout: 9:56:57
